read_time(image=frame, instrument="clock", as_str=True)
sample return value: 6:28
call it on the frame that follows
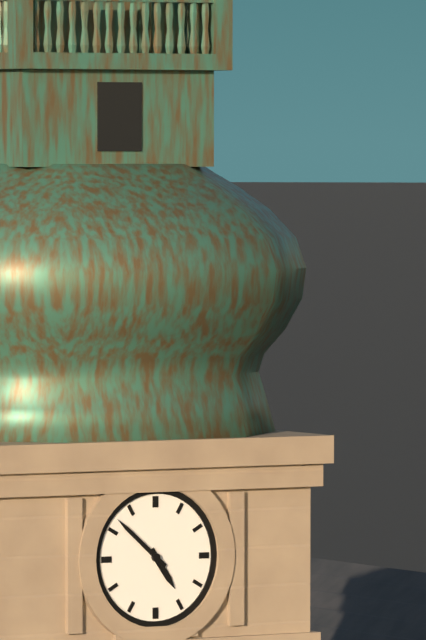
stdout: 4:52
